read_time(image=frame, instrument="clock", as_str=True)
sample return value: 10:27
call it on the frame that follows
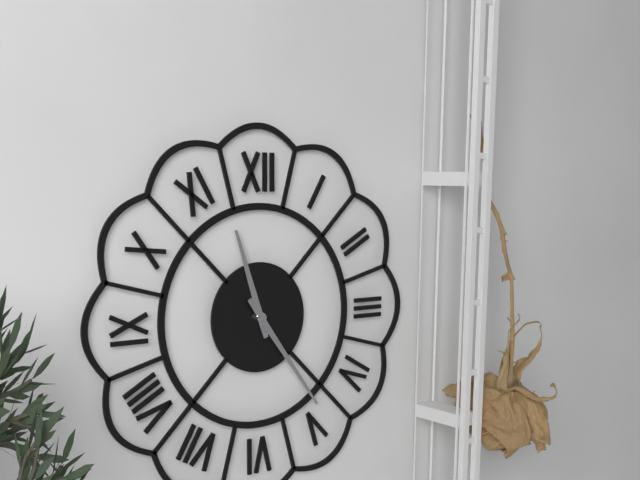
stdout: 11:24
